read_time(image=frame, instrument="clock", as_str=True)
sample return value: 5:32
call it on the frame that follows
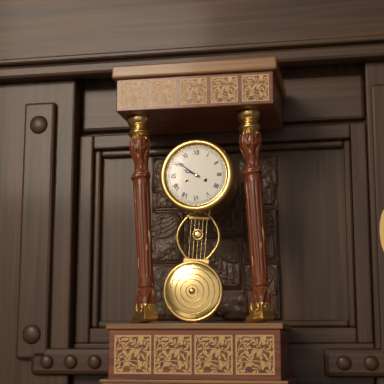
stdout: 9:51
